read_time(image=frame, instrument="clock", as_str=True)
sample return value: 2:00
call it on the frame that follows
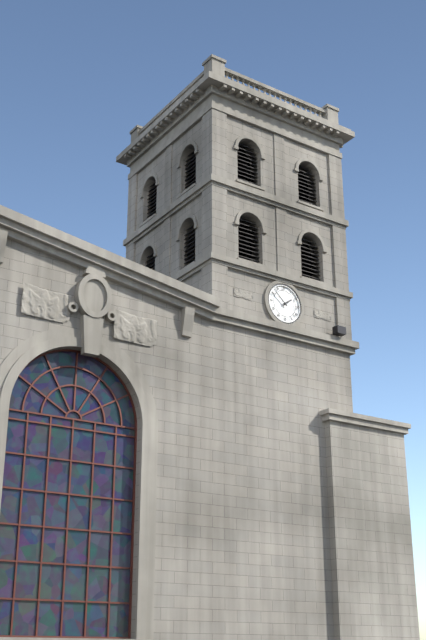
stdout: 1:52
